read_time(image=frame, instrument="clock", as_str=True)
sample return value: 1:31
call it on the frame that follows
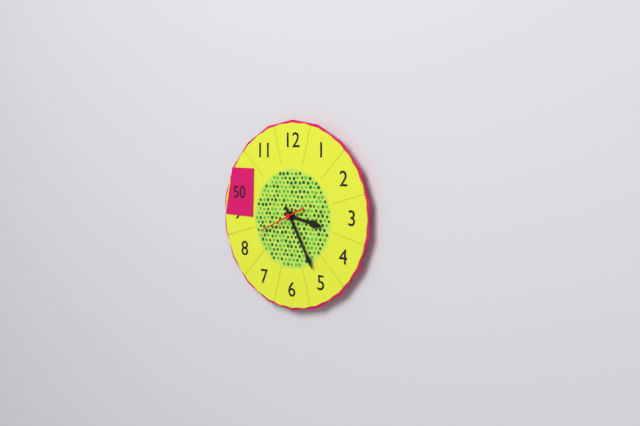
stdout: 3:25
